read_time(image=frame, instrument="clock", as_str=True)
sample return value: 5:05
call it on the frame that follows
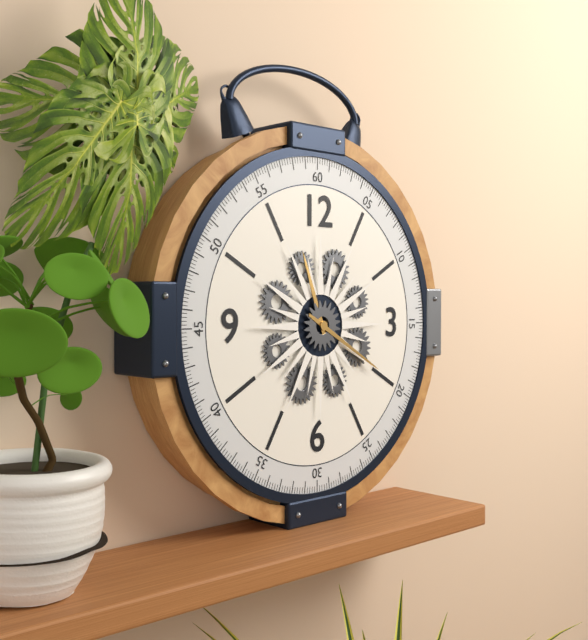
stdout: 11:20
